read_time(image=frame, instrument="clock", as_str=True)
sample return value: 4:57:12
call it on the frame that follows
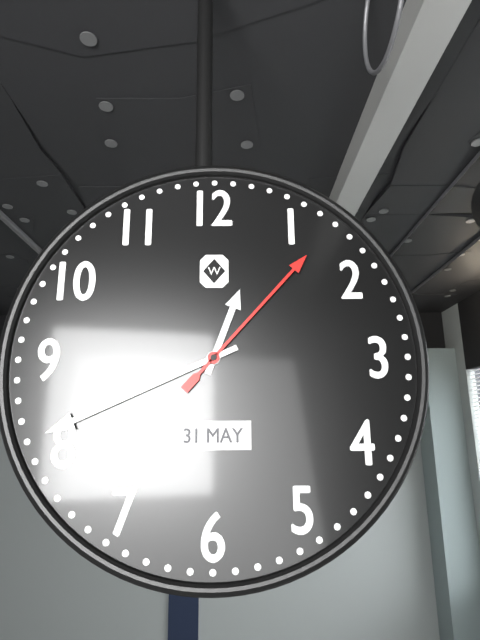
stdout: 12:41:07
